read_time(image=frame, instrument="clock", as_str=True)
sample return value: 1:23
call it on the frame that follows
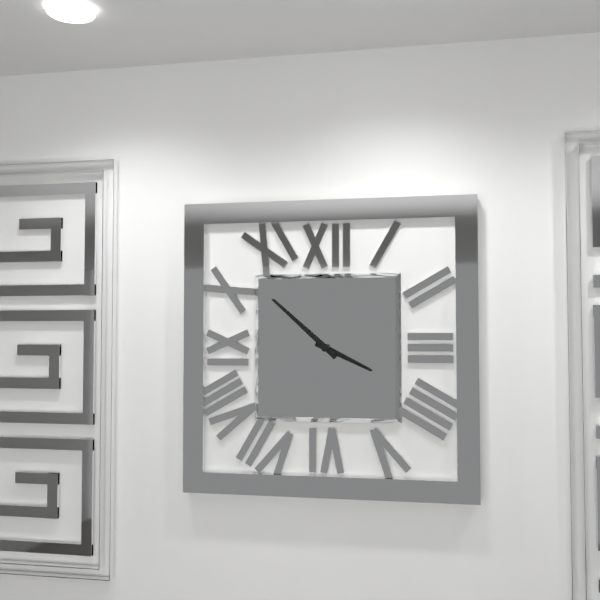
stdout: 3:52
